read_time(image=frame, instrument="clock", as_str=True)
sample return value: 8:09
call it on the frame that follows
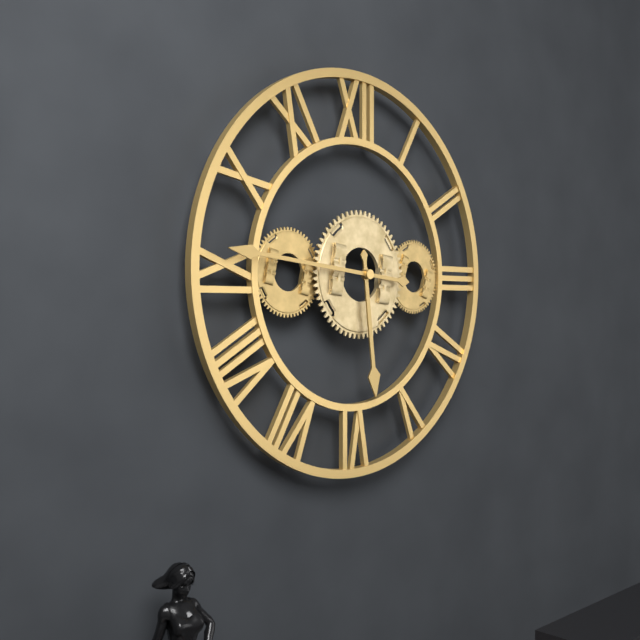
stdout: 5:46
